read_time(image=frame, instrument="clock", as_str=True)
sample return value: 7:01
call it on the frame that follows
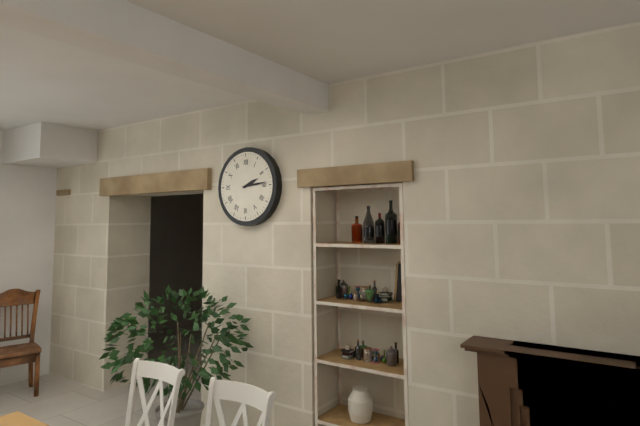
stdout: 2:14
